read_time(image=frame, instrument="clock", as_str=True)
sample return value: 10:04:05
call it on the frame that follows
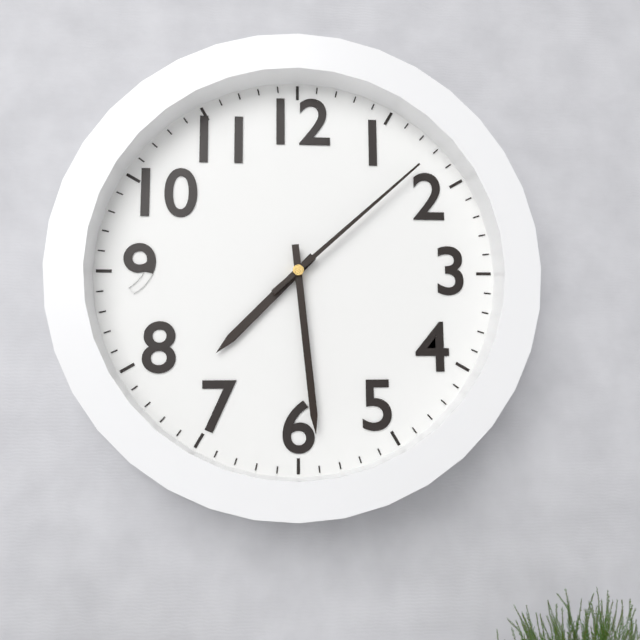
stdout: 7:29:08
